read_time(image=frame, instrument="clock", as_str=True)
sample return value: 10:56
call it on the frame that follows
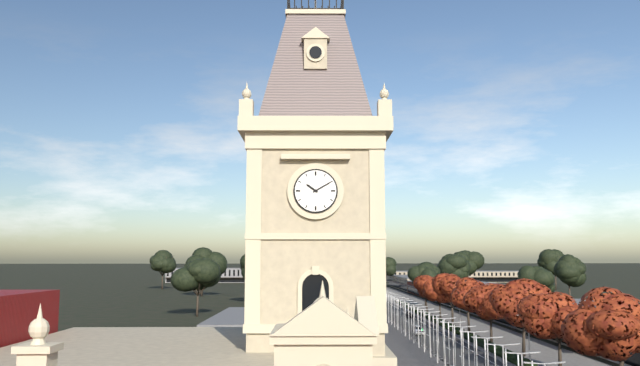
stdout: 10:10
